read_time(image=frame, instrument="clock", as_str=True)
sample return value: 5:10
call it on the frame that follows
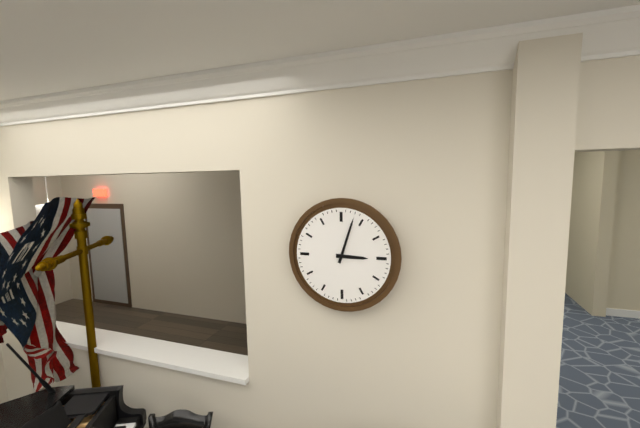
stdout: 3:03
